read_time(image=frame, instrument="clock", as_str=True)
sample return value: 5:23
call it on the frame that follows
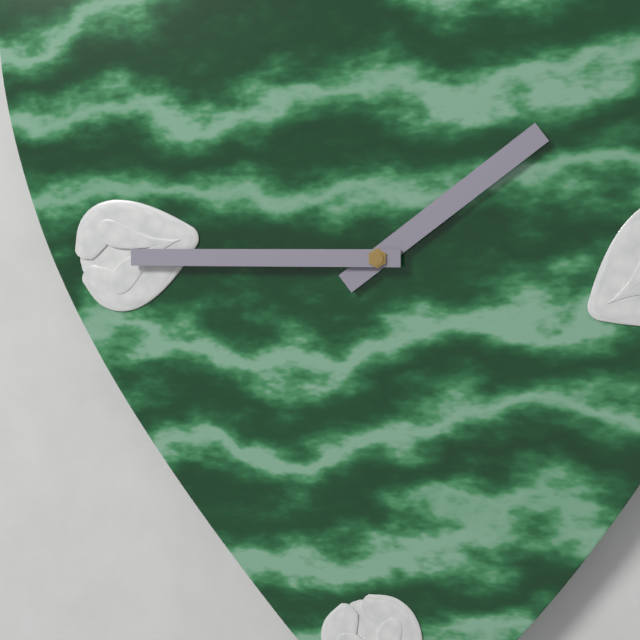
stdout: 1:45
